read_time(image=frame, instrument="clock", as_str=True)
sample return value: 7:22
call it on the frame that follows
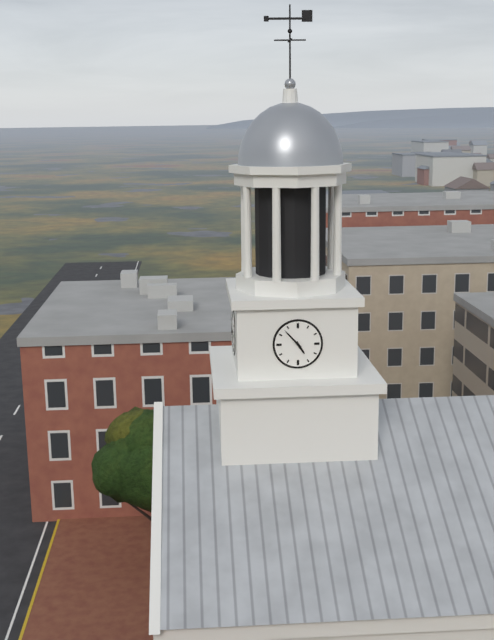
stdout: 4:53
